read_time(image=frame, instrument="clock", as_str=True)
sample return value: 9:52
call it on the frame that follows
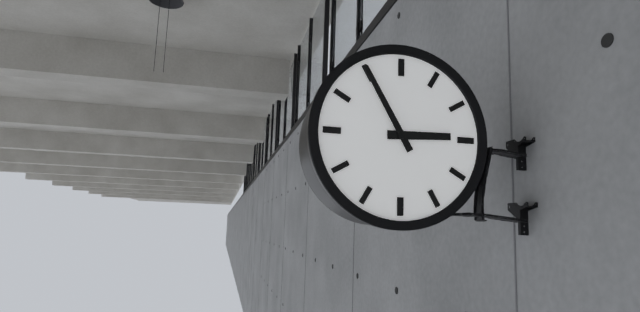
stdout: 2:55
